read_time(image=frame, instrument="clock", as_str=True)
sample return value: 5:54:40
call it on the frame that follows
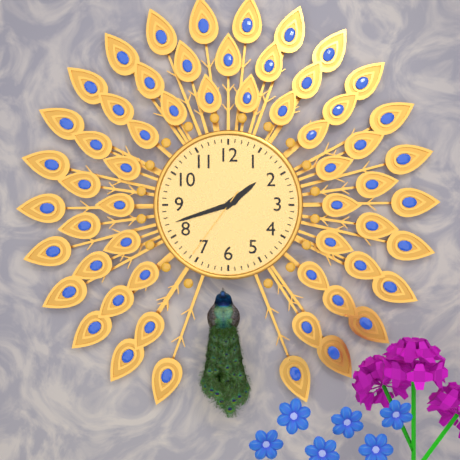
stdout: 1:42:36
